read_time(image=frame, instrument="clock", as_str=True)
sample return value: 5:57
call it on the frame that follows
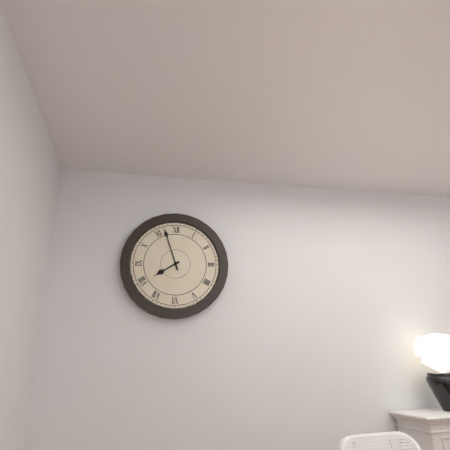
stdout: 7:57
